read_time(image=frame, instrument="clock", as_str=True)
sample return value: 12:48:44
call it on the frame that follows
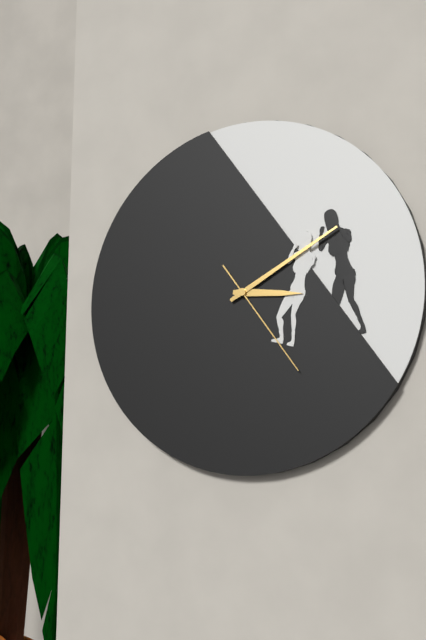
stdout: 3:10:24
